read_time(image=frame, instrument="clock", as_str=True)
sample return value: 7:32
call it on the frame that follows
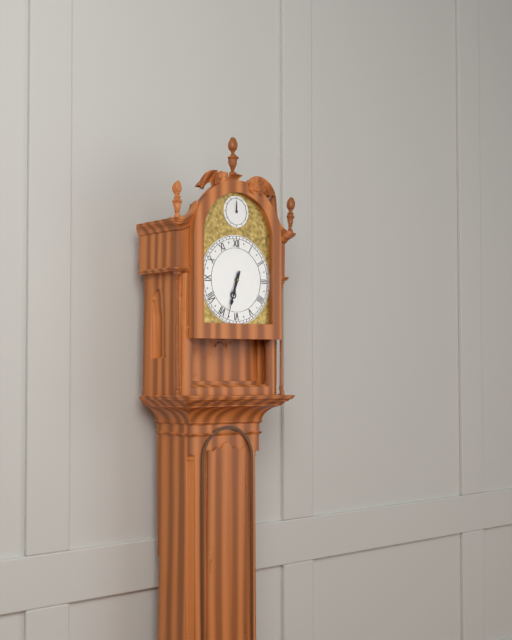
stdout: 6:33
